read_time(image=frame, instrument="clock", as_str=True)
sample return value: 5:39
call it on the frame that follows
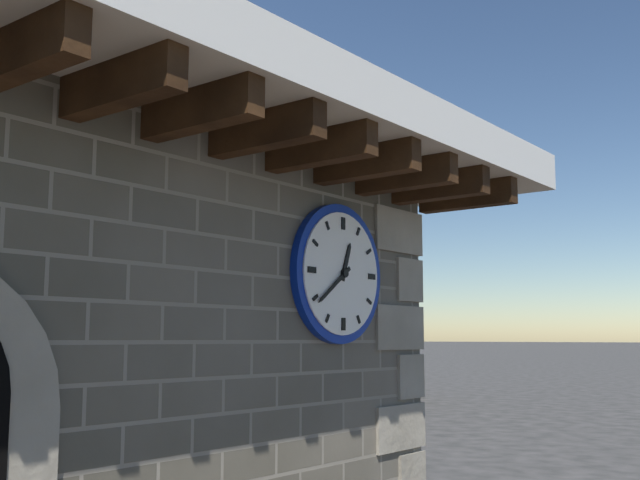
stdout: 12:39
